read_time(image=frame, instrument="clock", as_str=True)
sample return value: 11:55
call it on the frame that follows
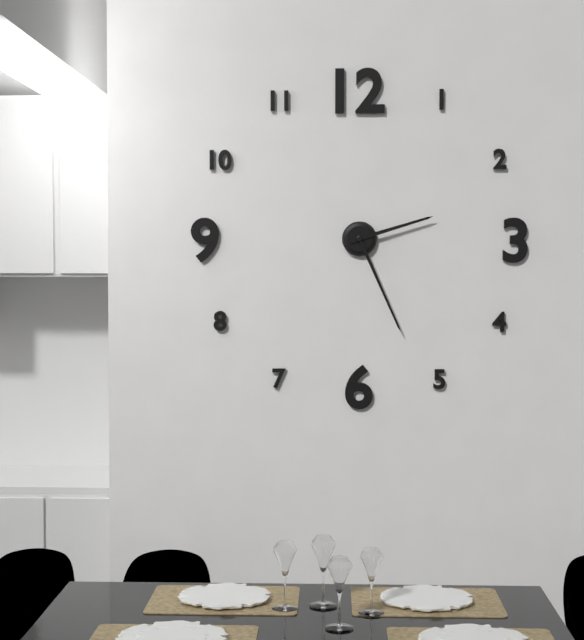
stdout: 2:26
